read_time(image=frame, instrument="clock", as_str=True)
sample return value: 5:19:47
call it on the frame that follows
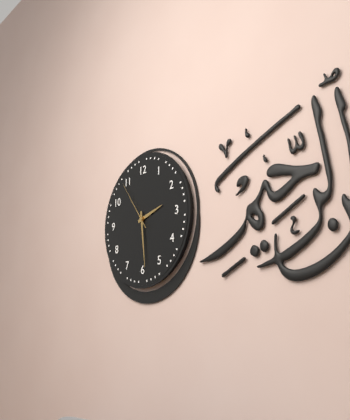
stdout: 2:29:54
